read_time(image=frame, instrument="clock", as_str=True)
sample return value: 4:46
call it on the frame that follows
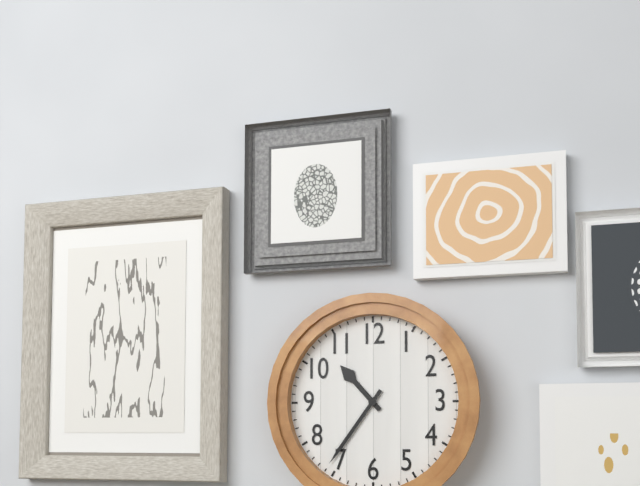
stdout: 10:36
